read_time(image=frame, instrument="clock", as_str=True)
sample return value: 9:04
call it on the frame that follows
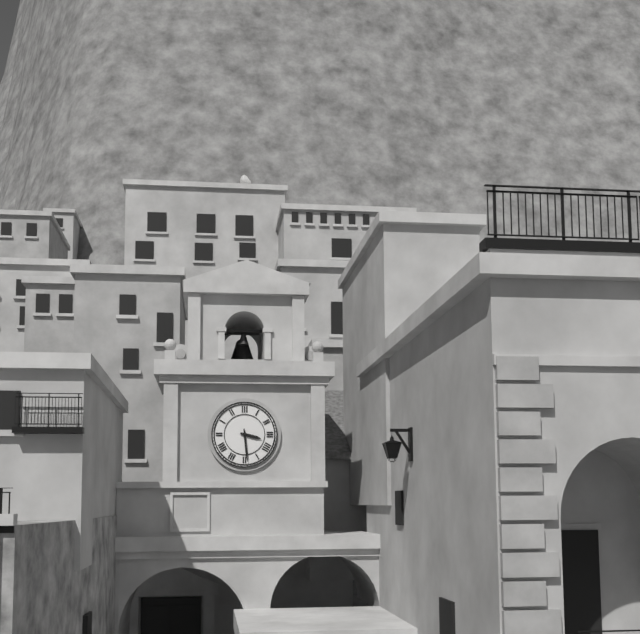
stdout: 3:29
